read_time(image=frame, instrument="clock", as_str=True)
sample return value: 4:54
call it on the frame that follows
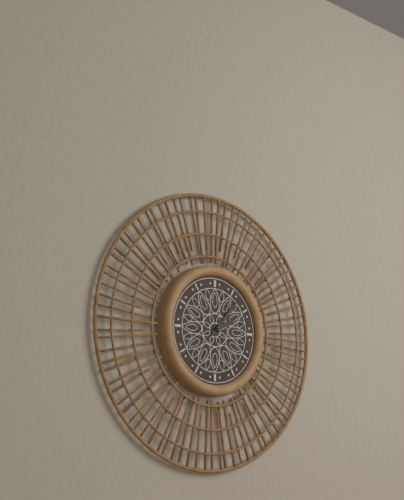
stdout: 2:07
